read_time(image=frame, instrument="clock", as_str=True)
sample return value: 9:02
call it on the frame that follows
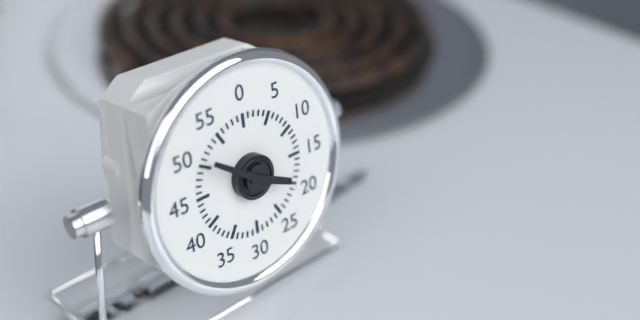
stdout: 3:51
